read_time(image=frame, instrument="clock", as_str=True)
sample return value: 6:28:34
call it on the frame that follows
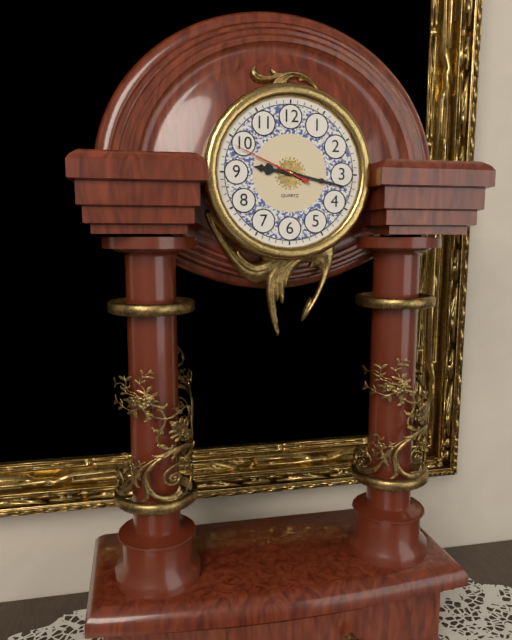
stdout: 9:17:49
